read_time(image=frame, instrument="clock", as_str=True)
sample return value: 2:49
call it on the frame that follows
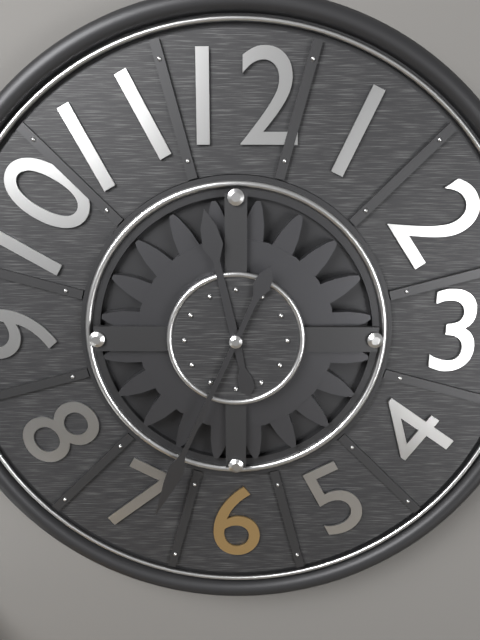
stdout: 11:34
